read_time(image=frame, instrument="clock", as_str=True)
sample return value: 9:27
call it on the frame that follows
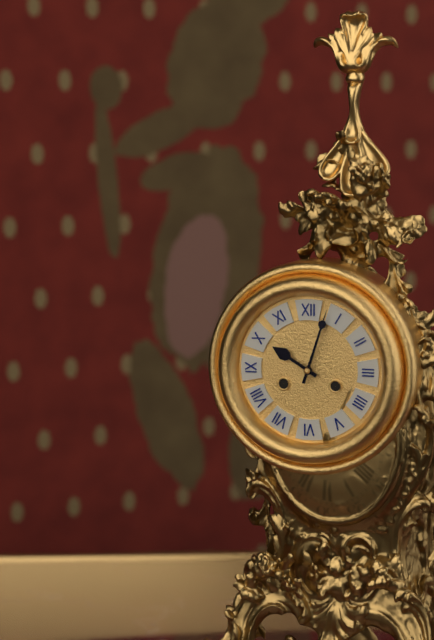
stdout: 10:03
